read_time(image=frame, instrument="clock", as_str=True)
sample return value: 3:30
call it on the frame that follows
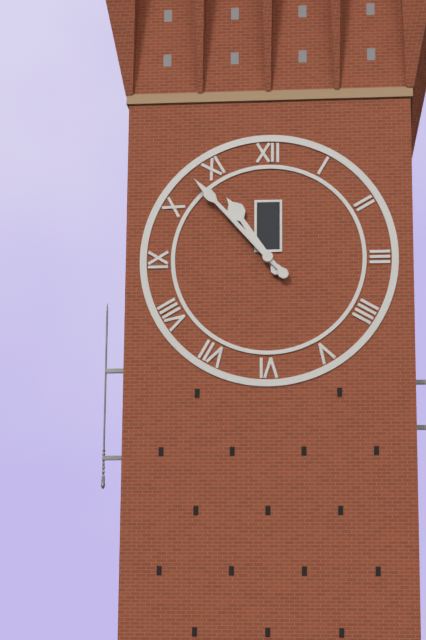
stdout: 10:53
